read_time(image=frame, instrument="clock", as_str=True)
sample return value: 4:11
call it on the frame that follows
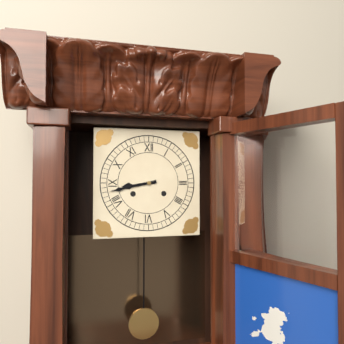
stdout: 8:43
